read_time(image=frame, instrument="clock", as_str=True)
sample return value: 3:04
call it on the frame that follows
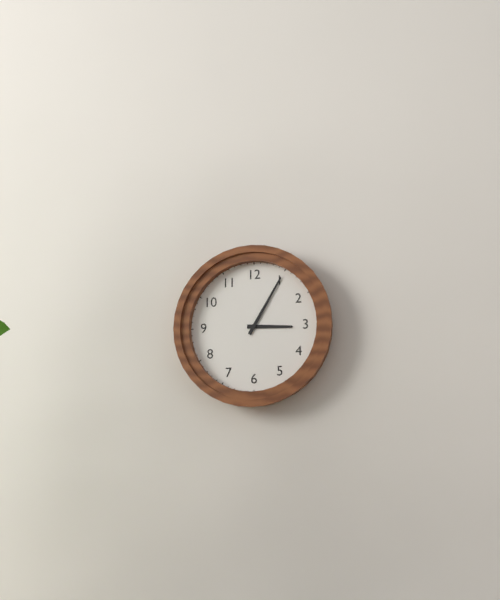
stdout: 3:05
